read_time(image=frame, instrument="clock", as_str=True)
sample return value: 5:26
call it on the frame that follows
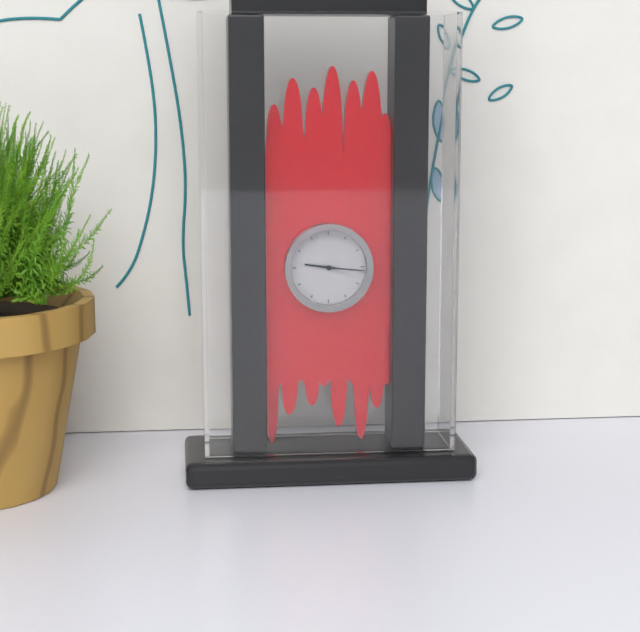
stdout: 9:16
